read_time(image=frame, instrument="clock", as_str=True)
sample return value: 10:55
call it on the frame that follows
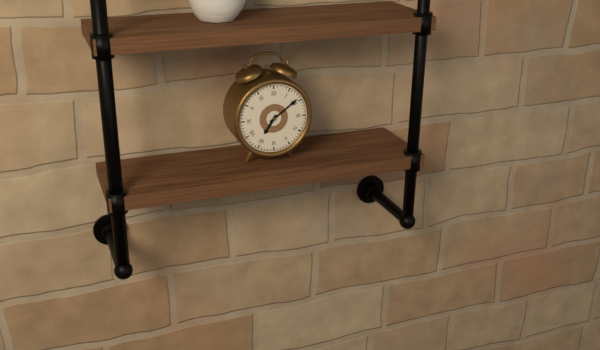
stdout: 7:09
